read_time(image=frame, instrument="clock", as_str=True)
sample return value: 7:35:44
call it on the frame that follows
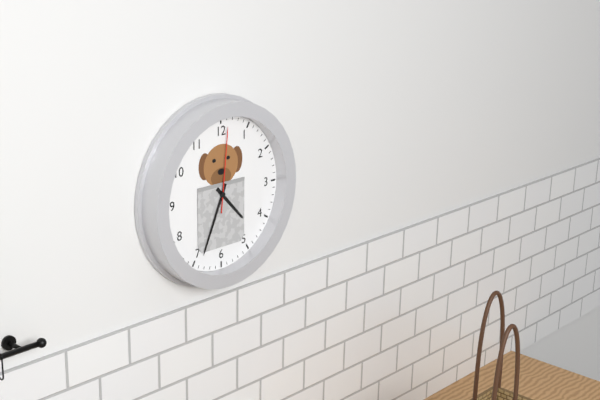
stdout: 4:34:01
